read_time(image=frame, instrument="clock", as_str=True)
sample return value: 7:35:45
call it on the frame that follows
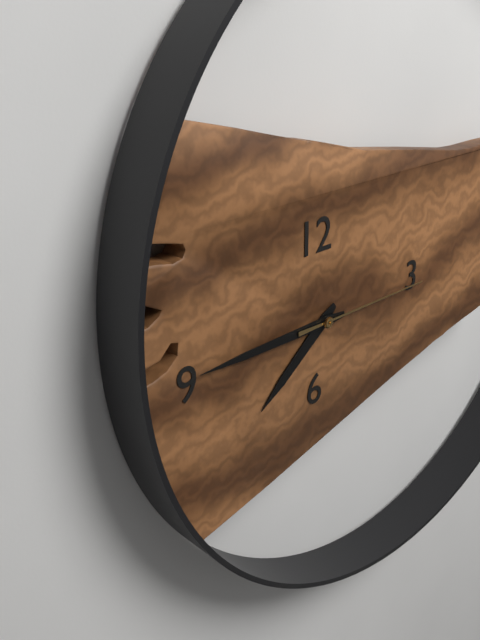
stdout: 7:45:15
